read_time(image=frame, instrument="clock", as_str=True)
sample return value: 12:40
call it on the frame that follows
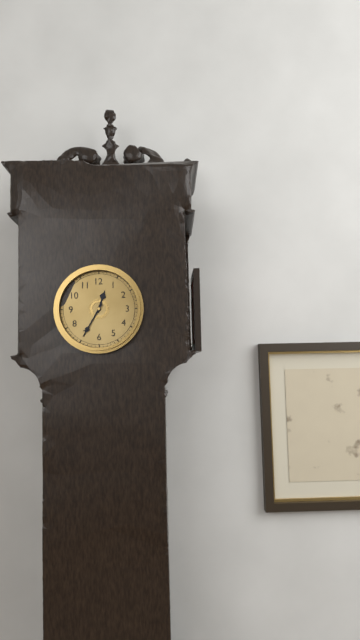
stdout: 12:35
